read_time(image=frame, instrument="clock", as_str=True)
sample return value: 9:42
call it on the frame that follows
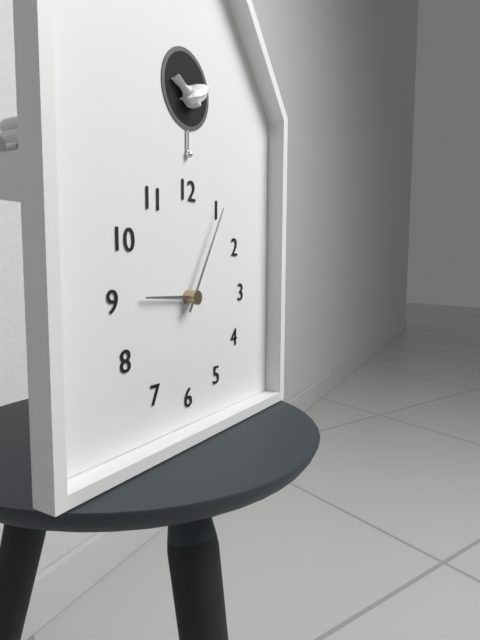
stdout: 9:05
